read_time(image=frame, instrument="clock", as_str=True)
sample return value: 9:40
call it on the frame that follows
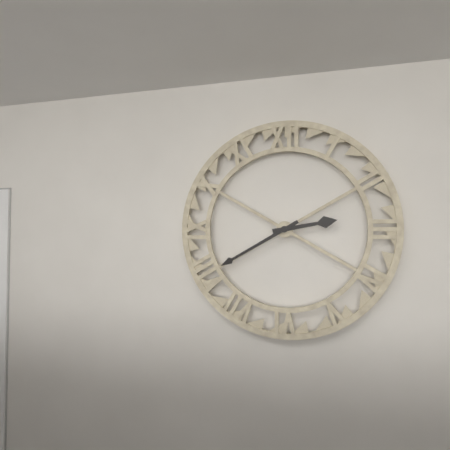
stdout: 2:40
